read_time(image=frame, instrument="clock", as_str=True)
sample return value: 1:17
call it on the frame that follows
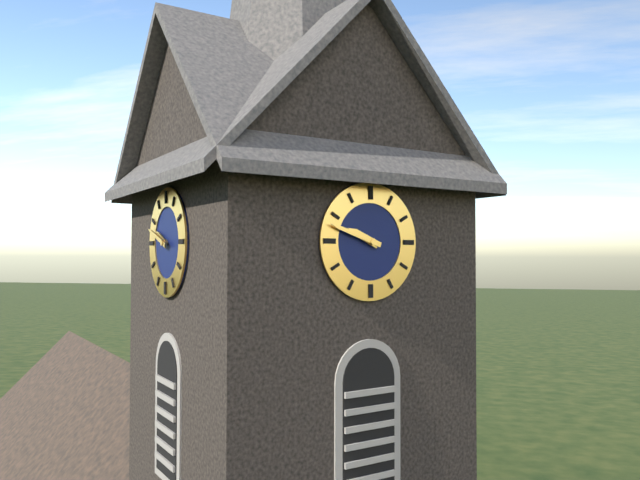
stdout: 9:48
